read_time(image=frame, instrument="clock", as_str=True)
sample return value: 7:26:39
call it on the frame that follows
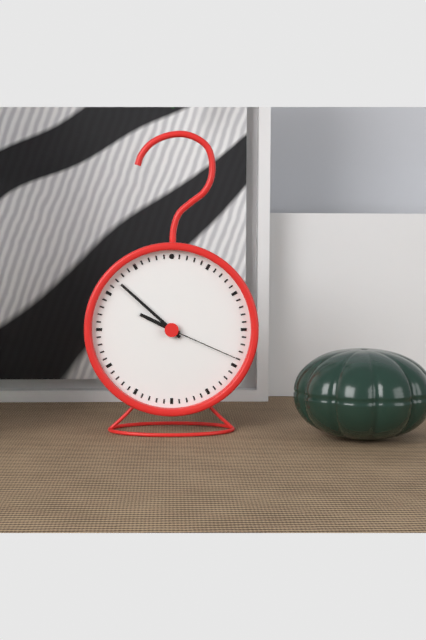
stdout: 9:52:19
